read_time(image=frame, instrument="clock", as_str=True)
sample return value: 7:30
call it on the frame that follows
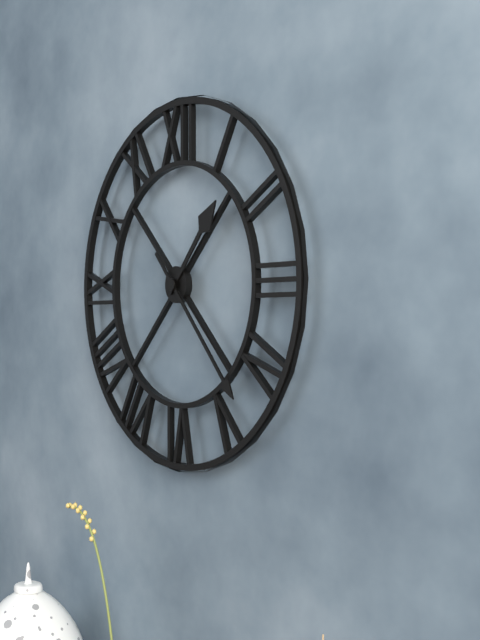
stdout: 1:23
